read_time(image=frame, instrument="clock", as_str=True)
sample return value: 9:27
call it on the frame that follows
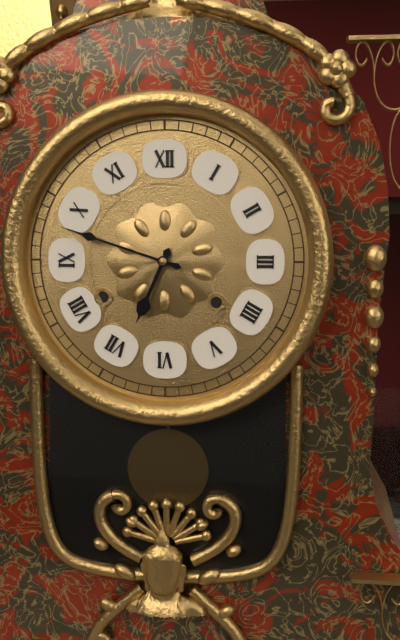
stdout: 6:48
